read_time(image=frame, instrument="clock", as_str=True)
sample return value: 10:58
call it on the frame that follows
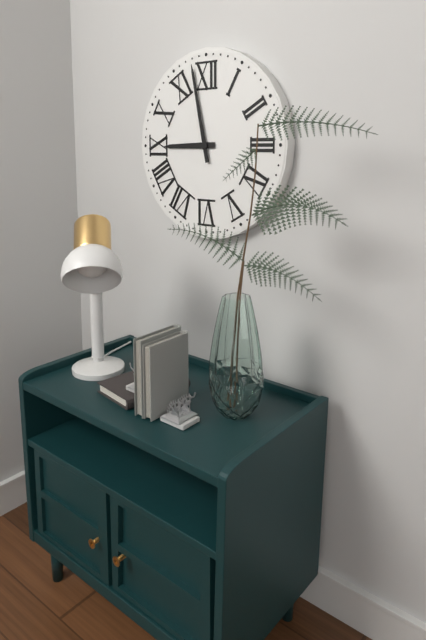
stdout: 8:58
